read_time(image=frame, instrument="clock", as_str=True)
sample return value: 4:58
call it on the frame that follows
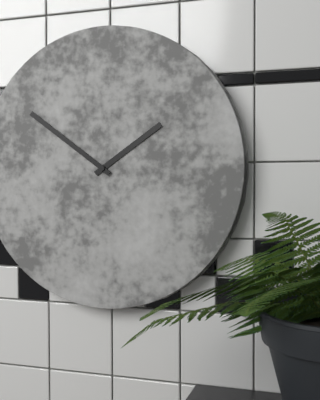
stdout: 1:51
